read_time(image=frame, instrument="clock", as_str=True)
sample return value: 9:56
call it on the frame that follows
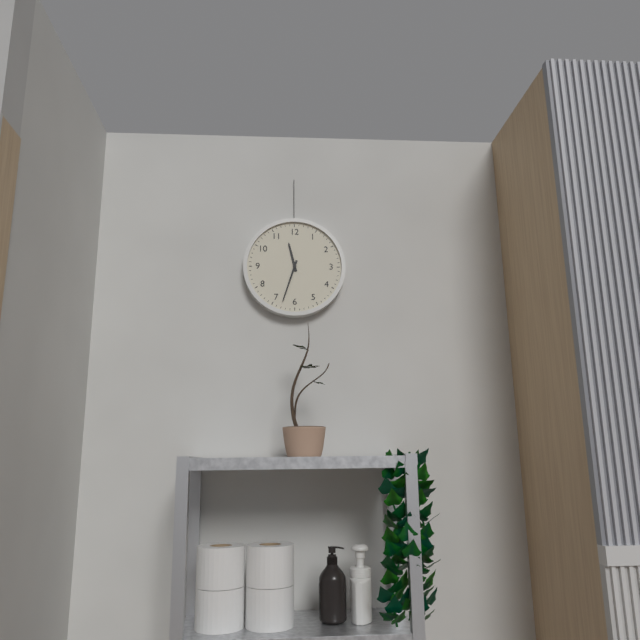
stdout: 11:33
